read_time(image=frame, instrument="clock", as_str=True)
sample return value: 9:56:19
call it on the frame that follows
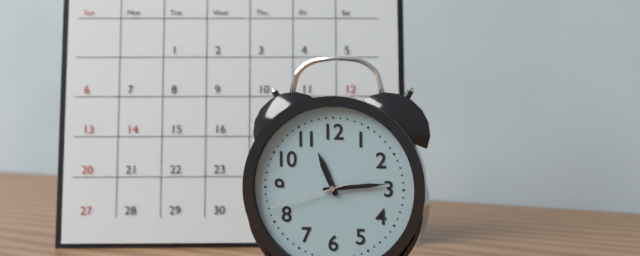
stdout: 11:14:42
